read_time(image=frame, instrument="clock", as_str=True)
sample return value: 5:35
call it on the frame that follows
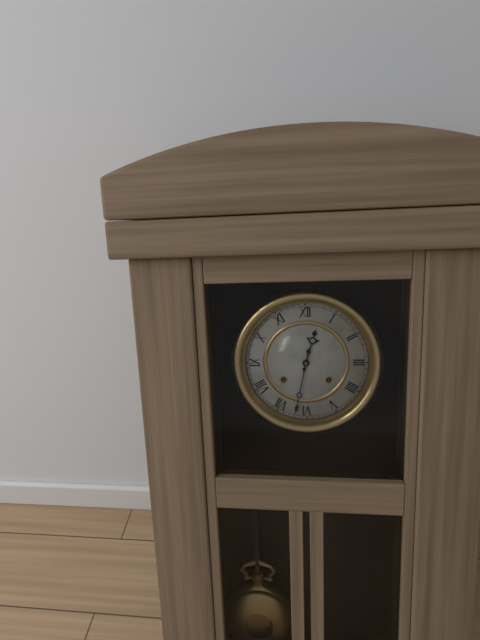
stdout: 12:32
